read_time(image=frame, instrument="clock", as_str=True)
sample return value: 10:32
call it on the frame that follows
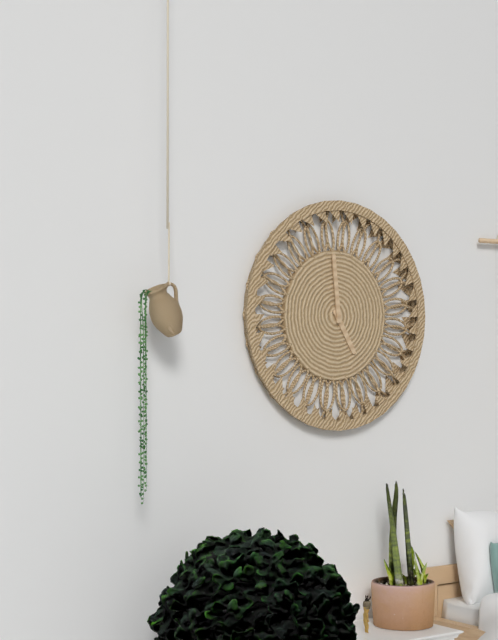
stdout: 4:59
